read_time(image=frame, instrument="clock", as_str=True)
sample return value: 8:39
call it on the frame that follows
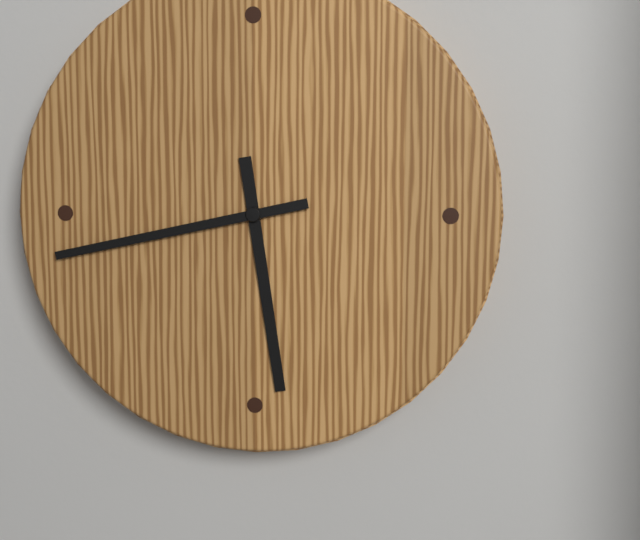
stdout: 5:43
